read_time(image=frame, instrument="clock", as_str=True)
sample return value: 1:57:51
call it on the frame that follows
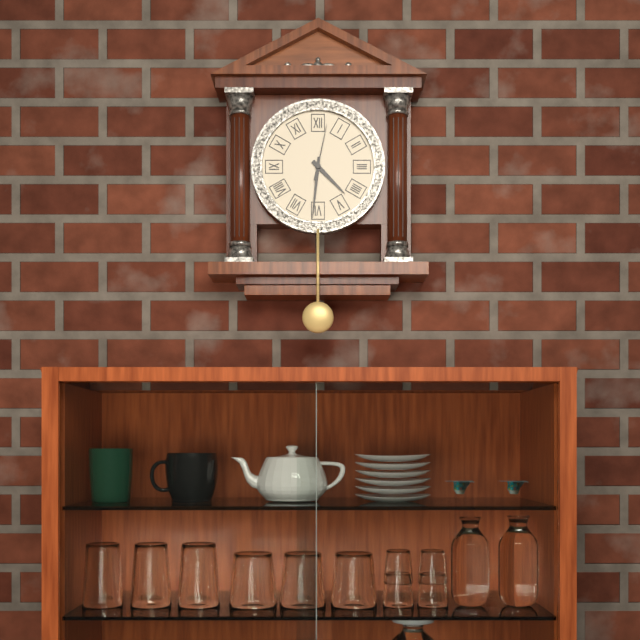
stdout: 4:31:02
